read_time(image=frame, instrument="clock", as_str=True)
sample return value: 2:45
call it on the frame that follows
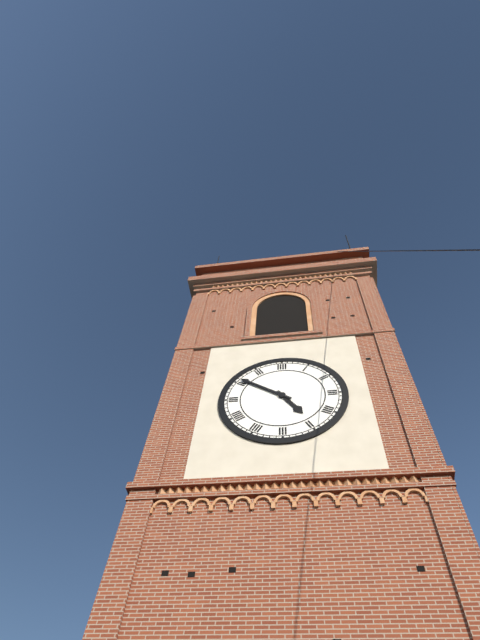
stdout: 4:51
